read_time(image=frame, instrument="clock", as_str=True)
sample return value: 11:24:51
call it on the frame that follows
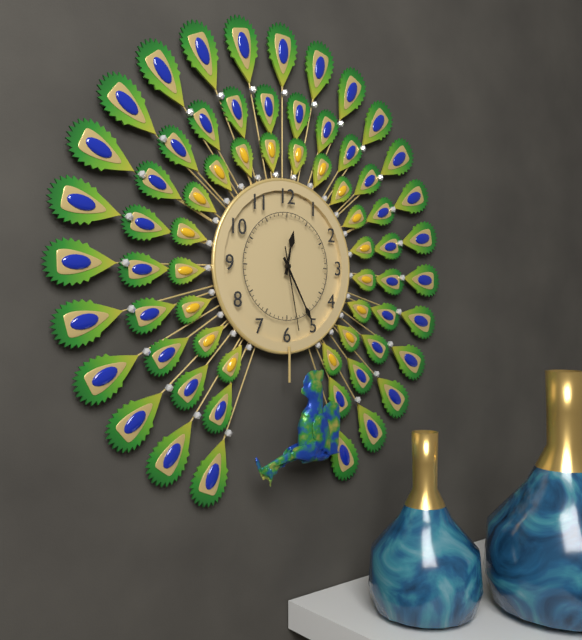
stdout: 12:25:28
